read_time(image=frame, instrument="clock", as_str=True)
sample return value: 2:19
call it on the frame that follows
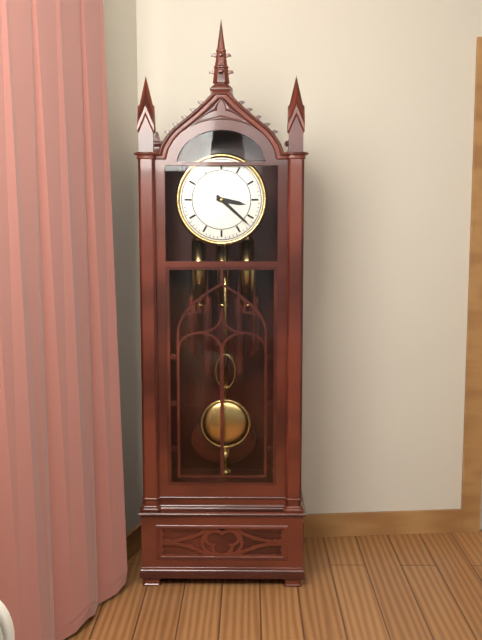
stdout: 3:22
